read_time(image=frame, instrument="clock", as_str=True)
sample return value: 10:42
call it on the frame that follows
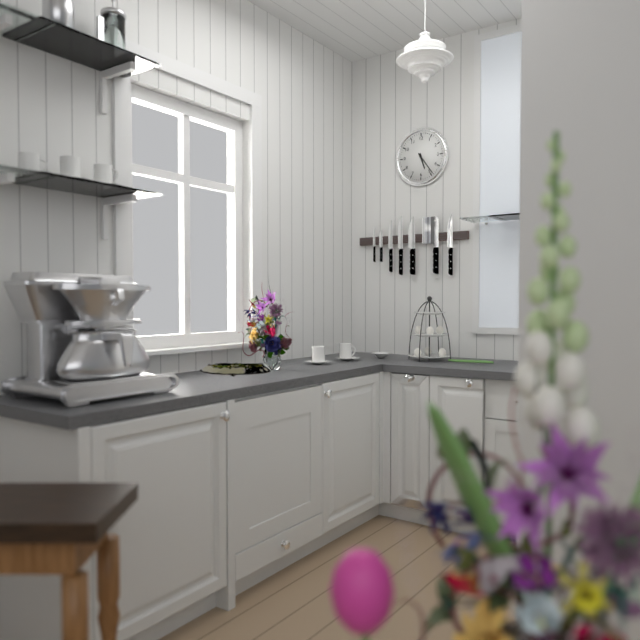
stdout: 5:24
